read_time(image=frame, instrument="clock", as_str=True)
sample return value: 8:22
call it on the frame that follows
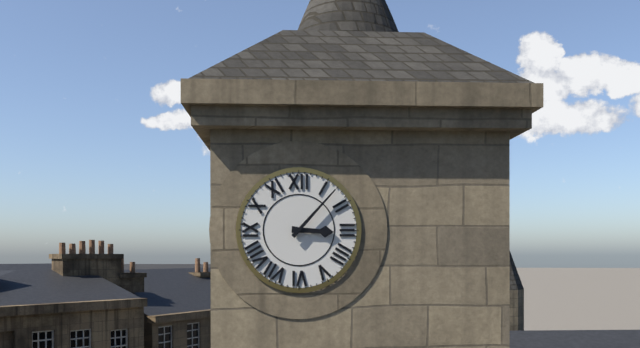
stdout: 3:07
